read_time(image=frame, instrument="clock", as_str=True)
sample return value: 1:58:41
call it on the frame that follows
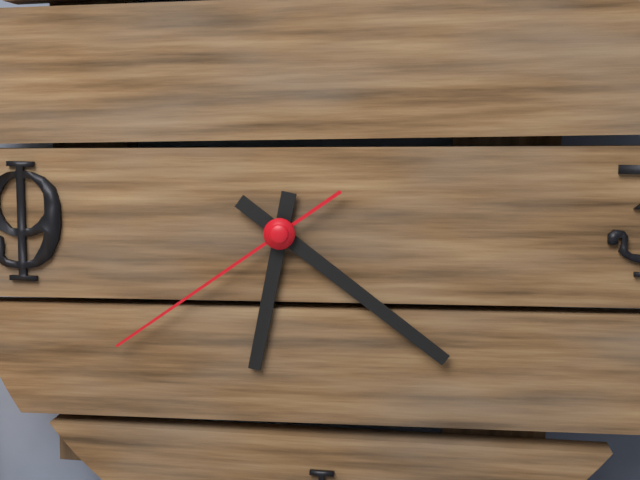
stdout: 6:21:39
